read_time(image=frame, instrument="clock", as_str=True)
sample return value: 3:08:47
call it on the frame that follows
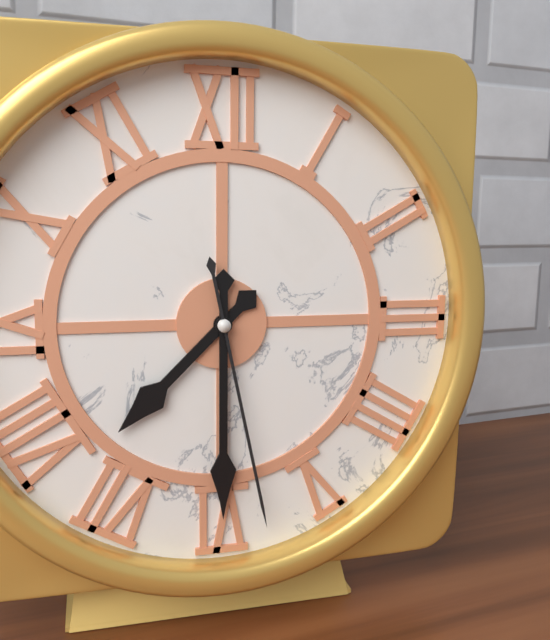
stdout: 7:30:28
